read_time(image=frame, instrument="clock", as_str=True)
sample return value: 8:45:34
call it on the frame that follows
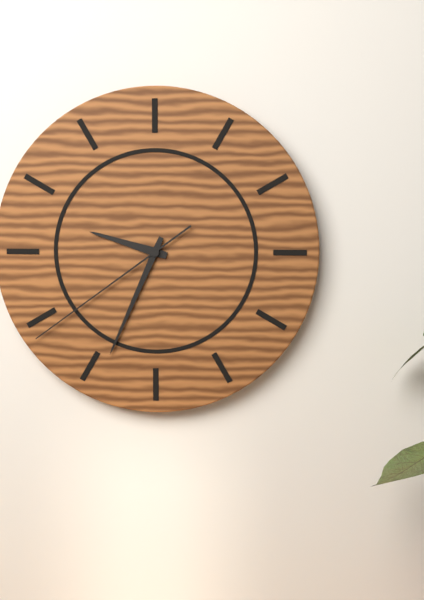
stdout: 9:34:39
